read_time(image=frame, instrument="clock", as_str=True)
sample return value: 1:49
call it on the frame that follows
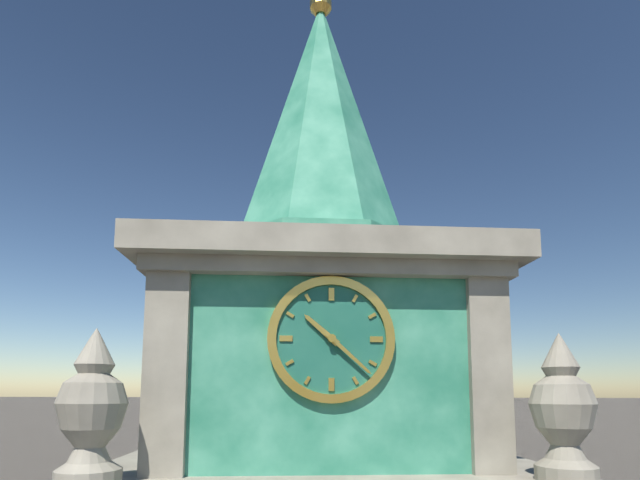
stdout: 10:22
